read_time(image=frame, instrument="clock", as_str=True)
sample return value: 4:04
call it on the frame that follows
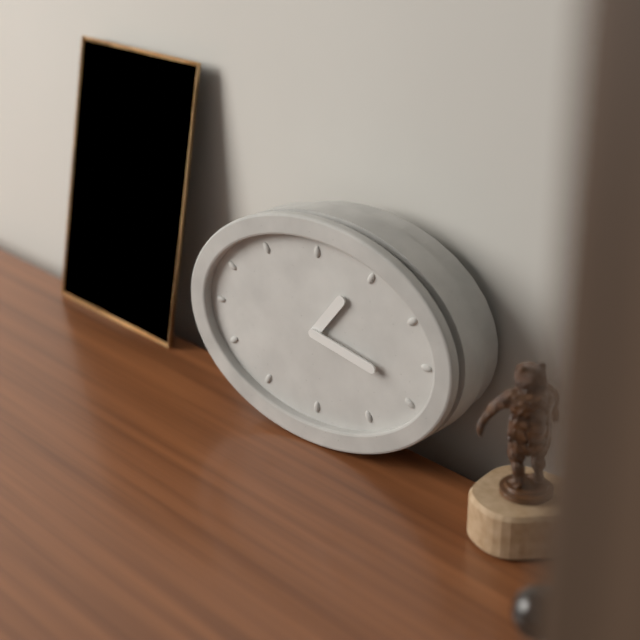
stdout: 1:17
